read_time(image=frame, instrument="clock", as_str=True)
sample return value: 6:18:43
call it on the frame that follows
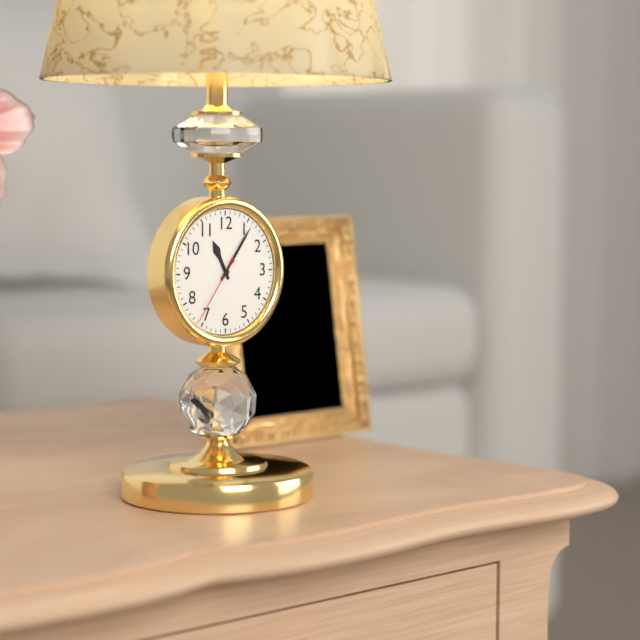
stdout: 11:06:36
